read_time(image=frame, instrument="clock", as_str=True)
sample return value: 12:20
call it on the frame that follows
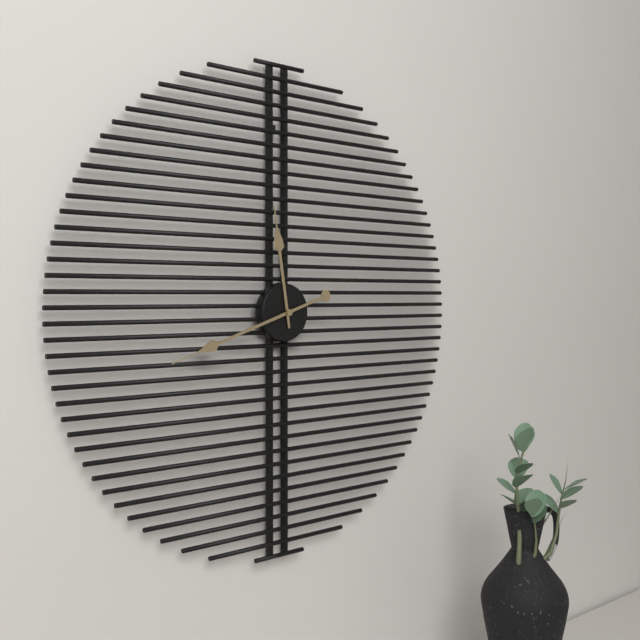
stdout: 11:42
